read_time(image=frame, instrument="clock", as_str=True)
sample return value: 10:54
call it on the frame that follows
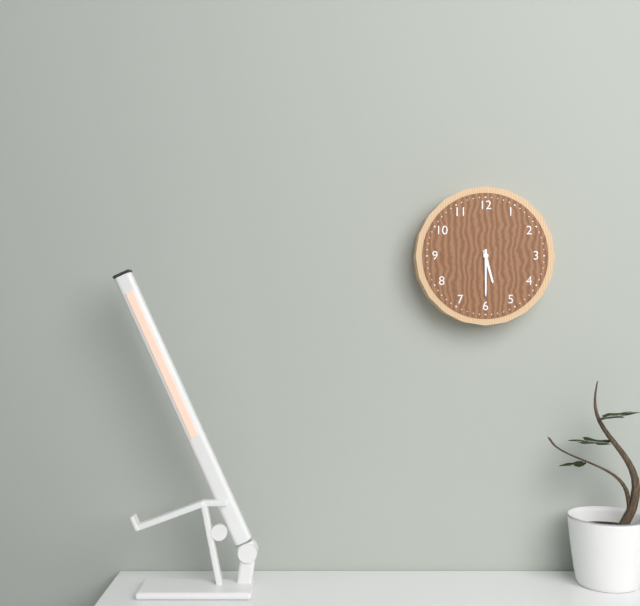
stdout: 5:30
